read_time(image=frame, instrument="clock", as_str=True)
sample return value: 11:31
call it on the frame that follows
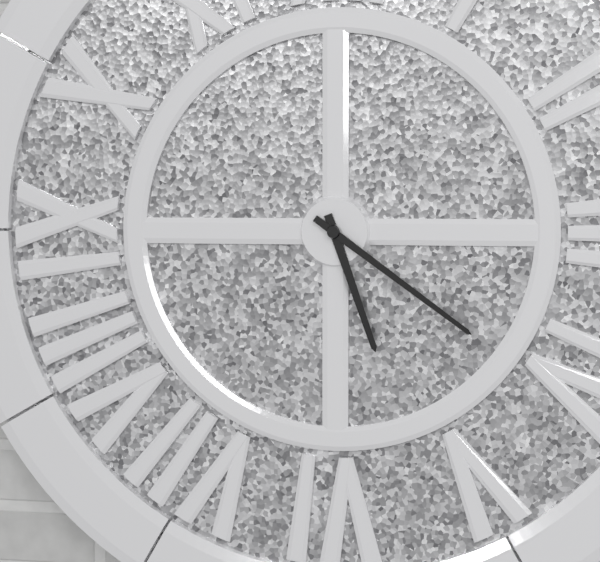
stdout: 5:21
